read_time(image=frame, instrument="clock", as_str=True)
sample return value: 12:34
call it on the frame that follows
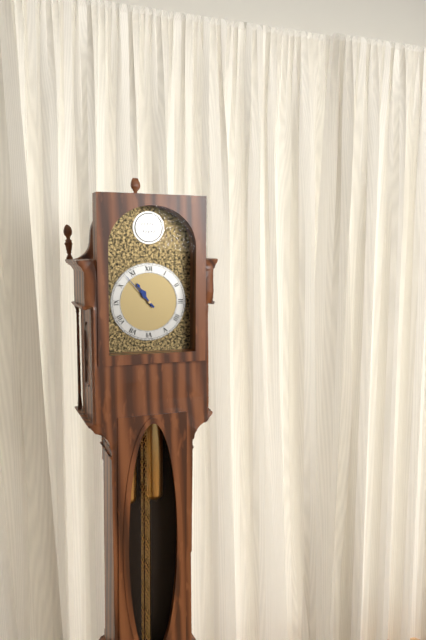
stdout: 10:53
